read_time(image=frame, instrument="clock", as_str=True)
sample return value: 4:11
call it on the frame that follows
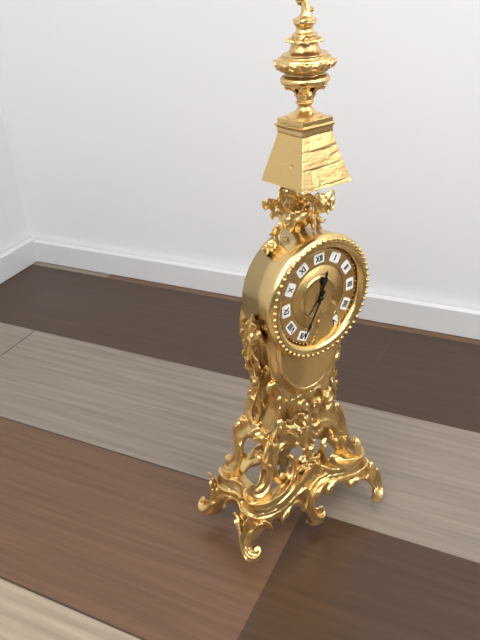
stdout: 12:35
